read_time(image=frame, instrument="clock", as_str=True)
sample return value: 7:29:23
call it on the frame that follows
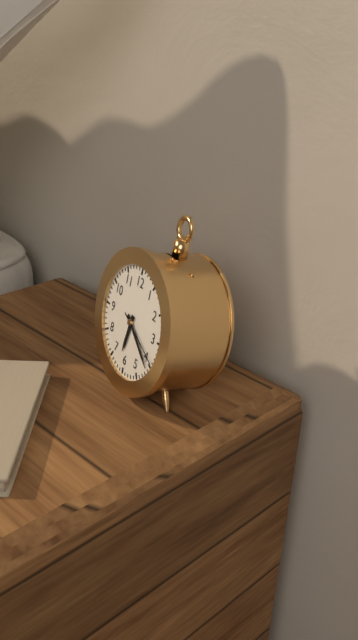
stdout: 6:21:19
